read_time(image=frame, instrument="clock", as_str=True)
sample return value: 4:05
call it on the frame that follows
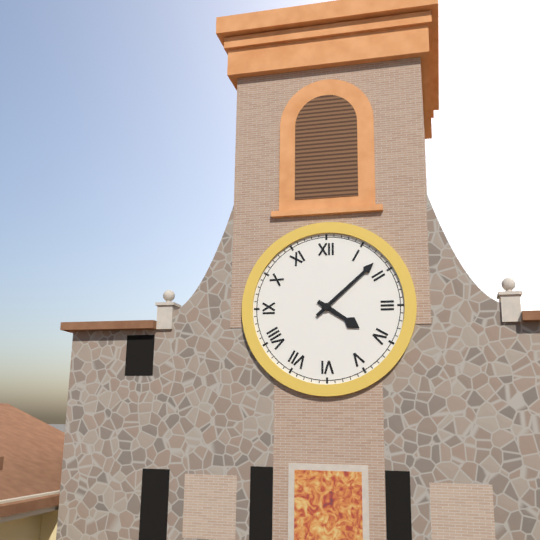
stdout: 4:08
